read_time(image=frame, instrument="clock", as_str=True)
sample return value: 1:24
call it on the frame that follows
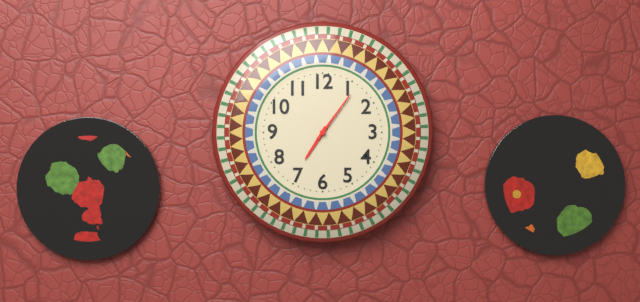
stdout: 7:06
